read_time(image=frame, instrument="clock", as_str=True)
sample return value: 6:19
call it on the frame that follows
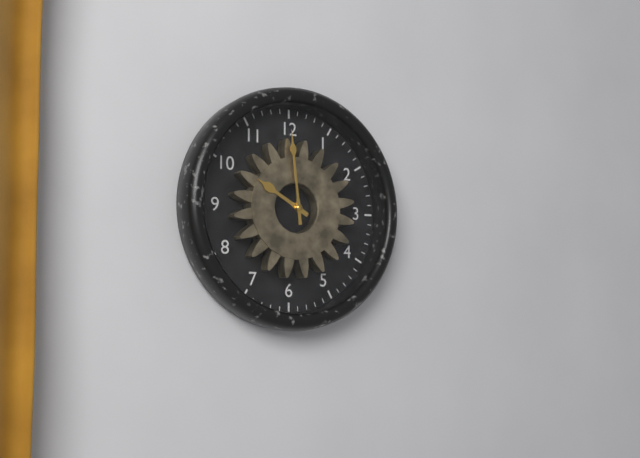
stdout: 9:59
